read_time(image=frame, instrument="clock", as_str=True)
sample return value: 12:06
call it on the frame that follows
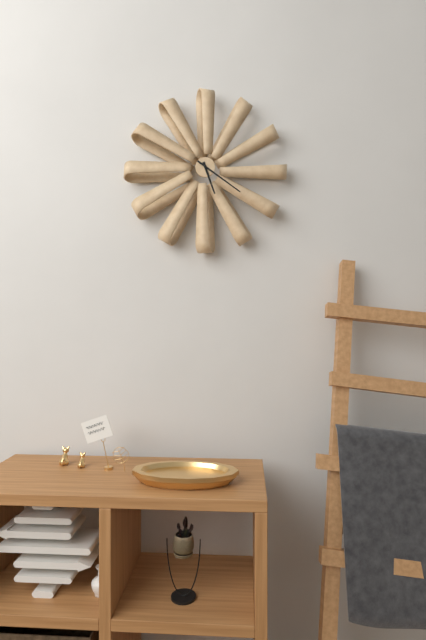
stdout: 5:21
